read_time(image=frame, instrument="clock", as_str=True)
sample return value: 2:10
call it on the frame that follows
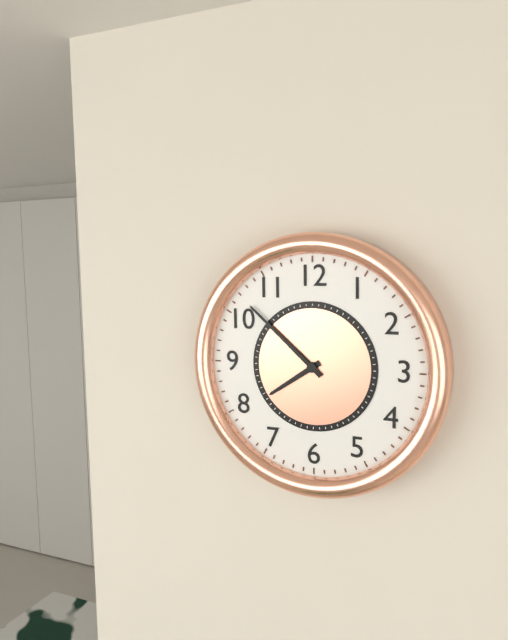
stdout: 7:52
